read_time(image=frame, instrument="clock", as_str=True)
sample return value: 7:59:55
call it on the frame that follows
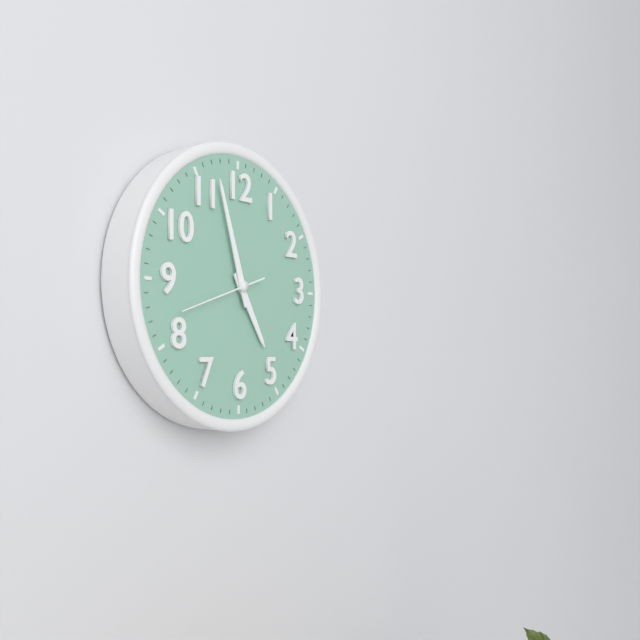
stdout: 4:57:42
